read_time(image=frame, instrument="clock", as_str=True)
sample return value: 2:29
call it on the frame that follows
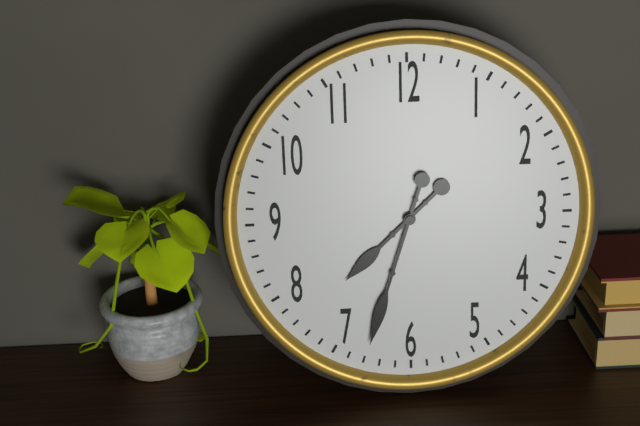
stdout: 7:33
